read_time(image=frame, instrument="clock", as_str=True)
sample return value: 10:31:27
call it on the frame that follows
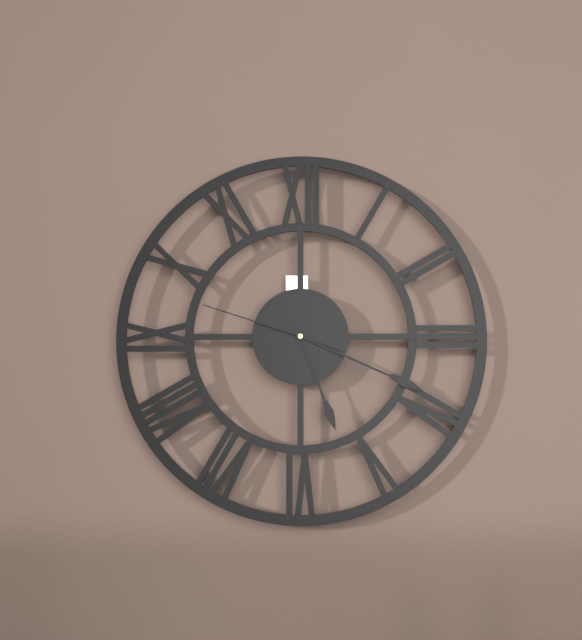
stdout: 5:19:48
